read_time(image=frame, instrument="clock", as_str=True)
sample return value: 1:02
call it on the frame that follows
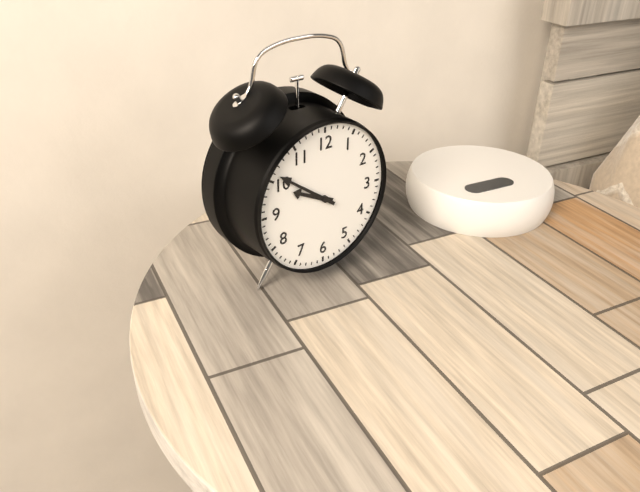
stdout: 9:51
